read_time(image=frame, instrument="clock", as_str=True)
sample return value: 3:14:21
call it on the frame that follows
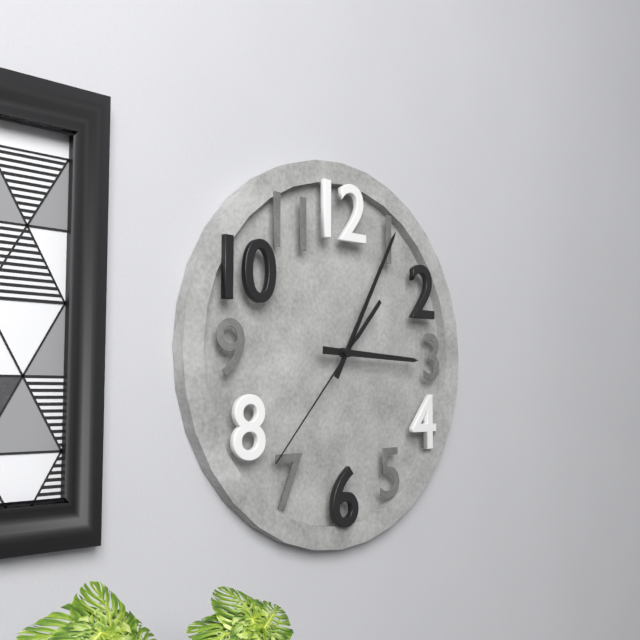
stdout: 3:05:37
